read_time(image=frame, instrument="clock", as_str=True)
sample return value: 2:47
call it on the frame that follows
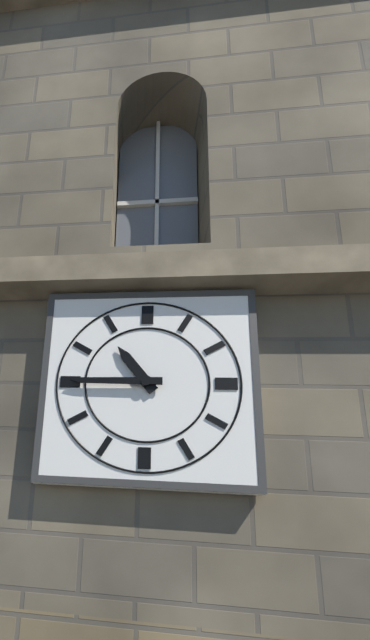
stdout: 10:45
